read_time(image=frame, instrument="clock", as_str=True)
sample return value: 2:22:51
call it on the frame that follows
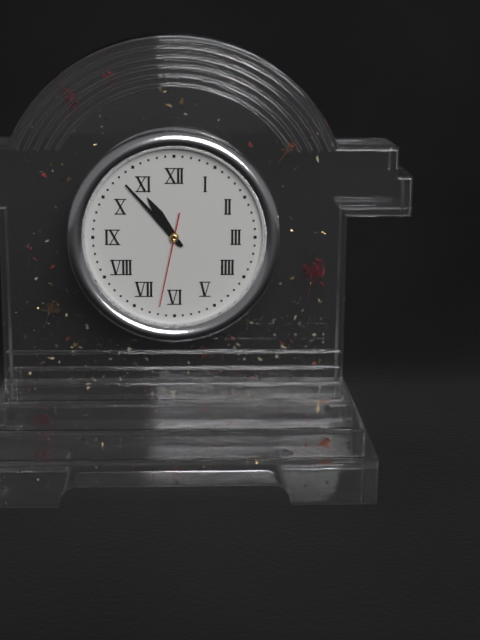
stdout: 10:53:32
